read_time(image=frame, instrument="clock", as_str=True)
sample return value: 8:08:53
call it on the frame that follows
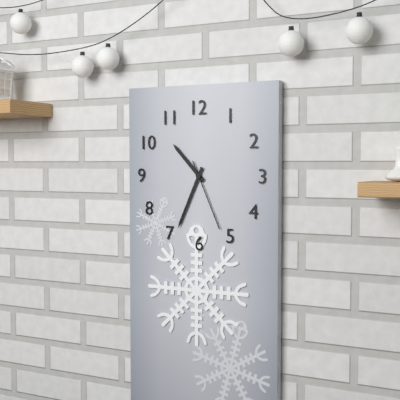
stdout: 10:34:26
